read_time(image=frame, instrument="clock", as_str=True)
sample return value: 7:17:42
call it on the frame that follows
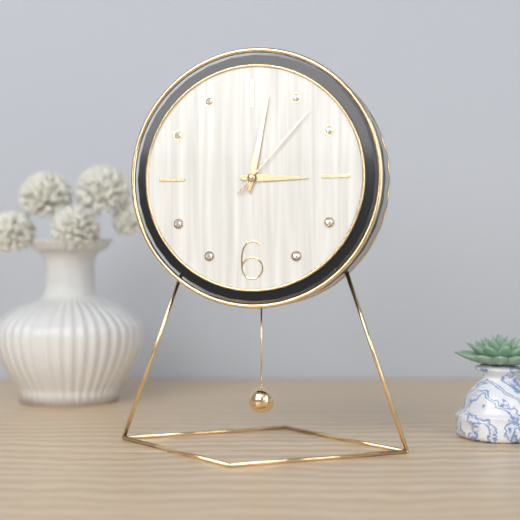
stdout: 3:02:07
